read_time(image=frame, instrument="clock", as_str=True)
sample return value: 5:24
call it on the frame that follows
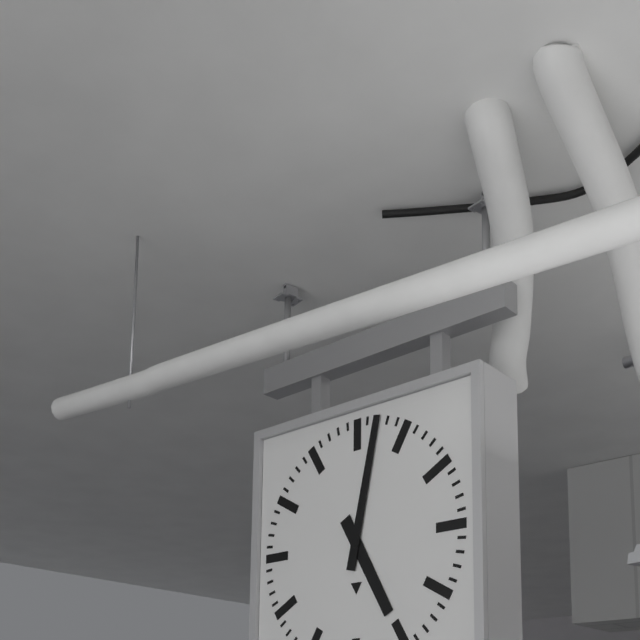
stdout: 5:02
